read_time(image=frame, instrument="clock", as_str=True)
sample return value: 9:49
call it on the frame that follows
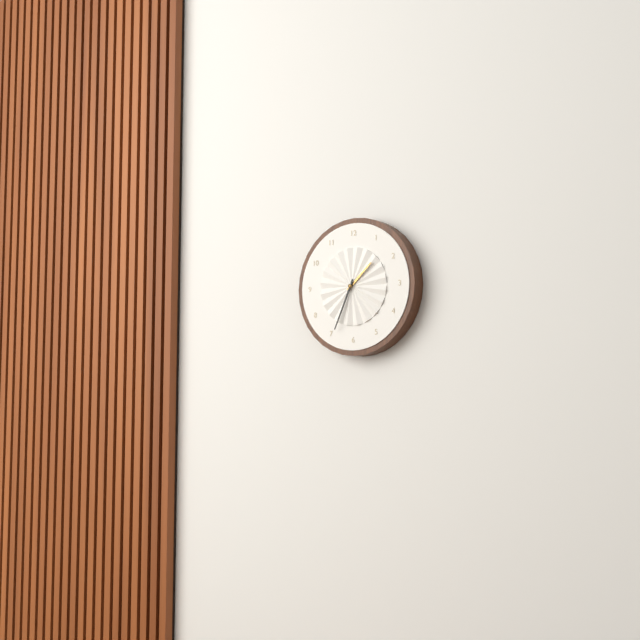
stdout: 1:34
